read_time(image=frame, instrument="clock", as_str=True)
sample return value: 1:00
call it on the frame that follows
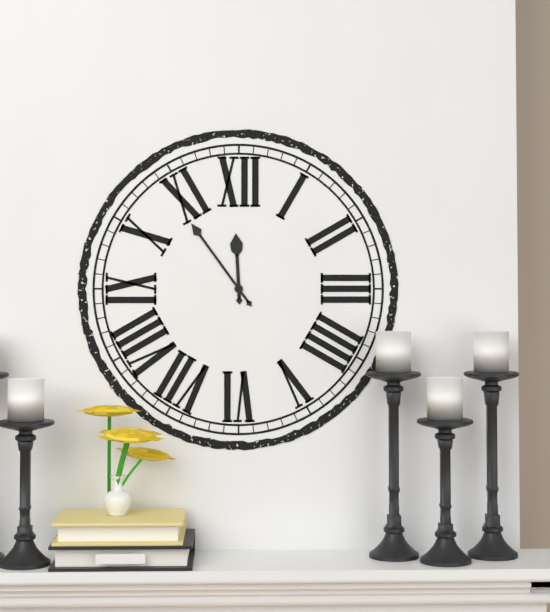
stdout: 11:54
